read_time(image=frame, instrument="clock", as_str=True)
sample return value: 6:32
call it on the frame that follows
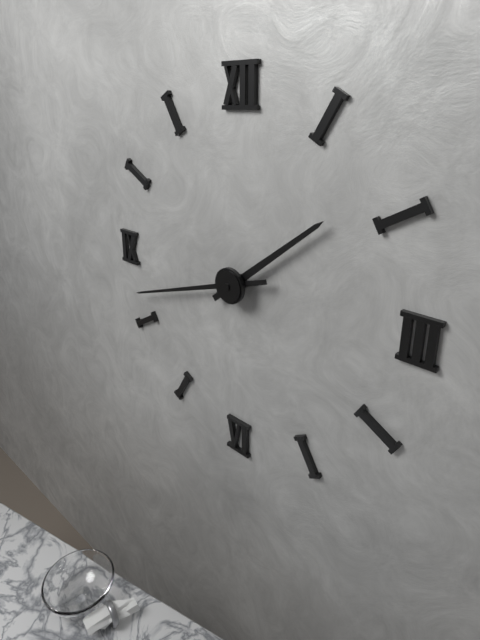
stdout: 1:42
